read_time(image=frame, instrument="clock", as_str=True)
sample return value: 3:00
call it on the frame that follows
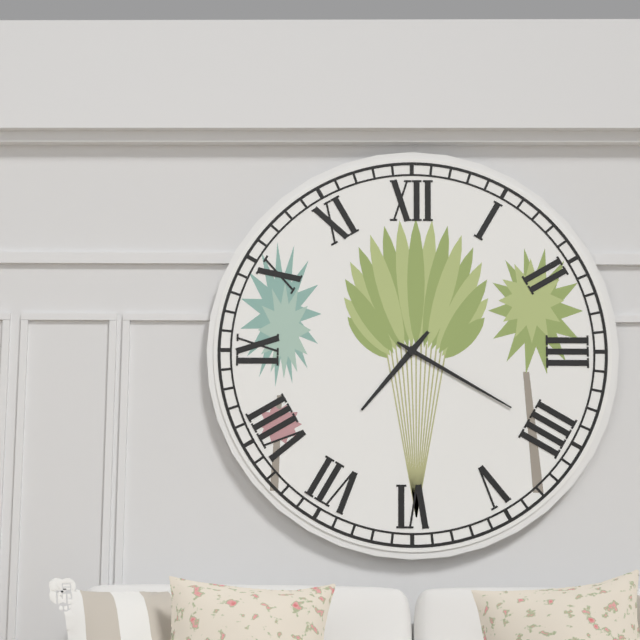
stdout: 7:20
